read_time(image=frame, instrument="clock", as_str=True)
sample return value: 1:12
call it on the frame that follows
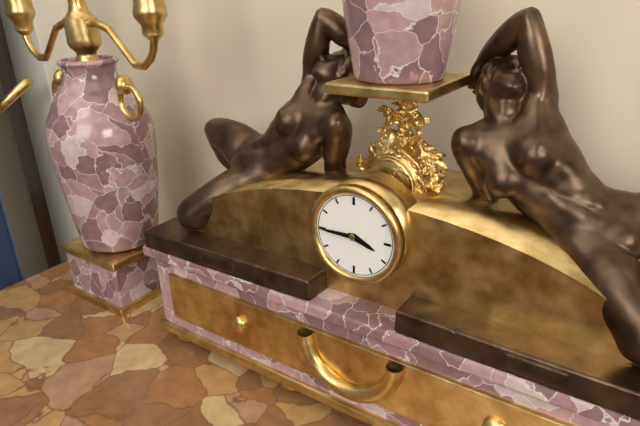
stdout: 3:45
